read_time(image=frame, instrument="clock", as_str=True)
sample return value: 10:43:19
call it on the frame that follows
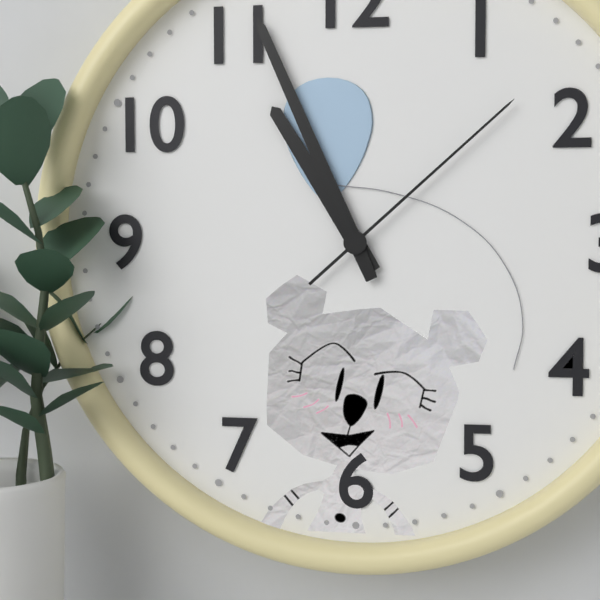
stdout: 10:56:08
